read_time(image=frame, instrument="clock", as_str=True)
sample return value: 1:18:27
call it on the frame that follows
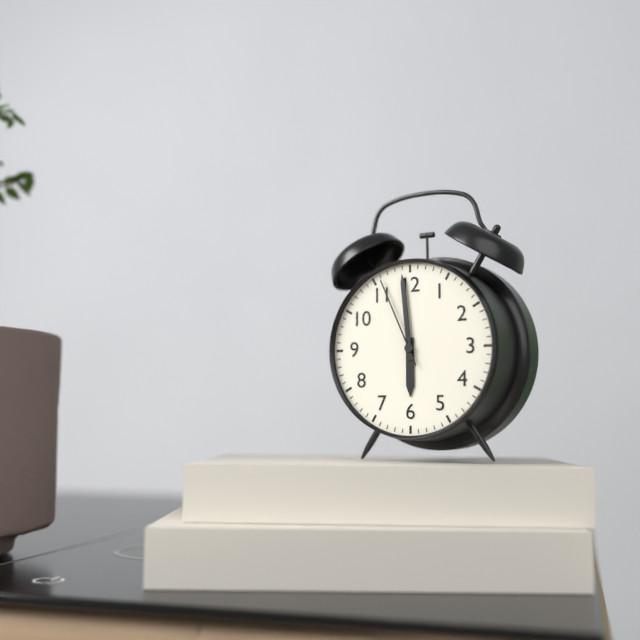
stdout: 5:59:56
